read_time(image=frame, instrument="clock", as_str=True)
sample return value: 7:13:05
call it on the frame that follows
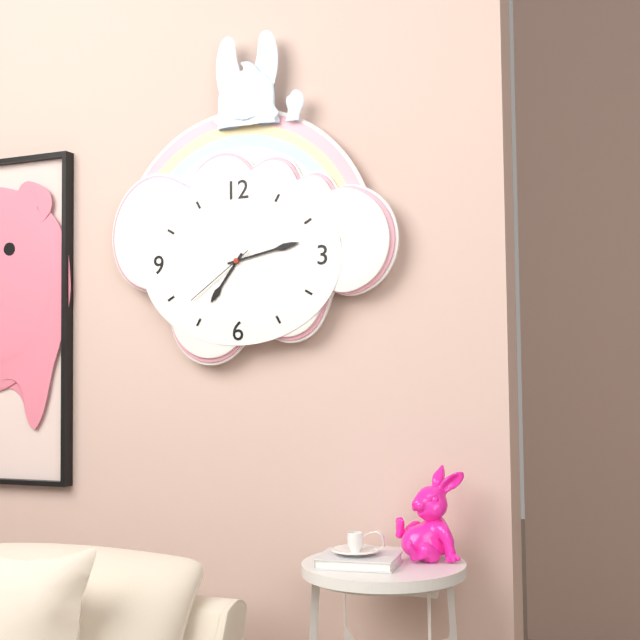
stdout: 7:13:39
